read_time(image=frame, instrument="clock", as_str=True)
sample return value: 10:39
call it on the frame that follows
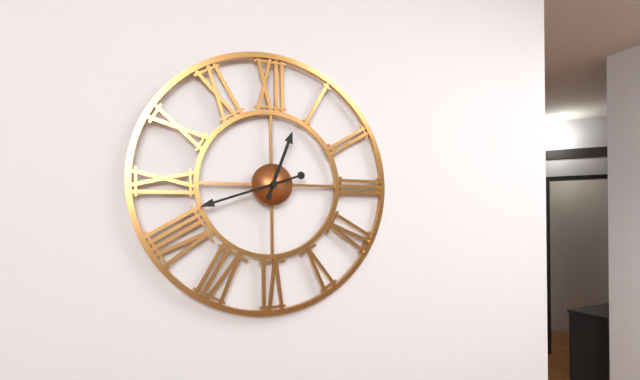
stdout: 12:42
